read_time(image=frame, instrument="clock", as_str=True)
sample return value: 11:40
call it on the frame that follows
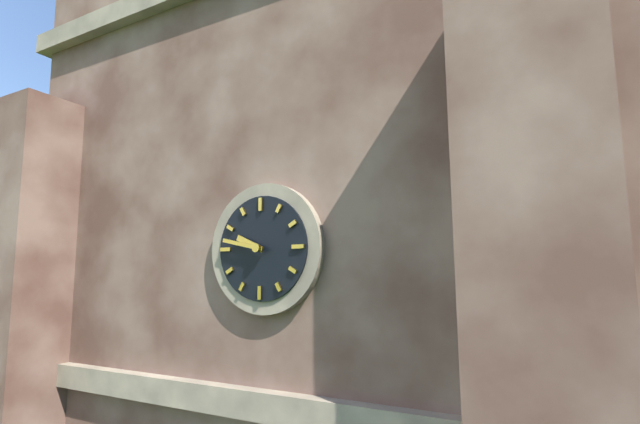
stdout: 9:47
